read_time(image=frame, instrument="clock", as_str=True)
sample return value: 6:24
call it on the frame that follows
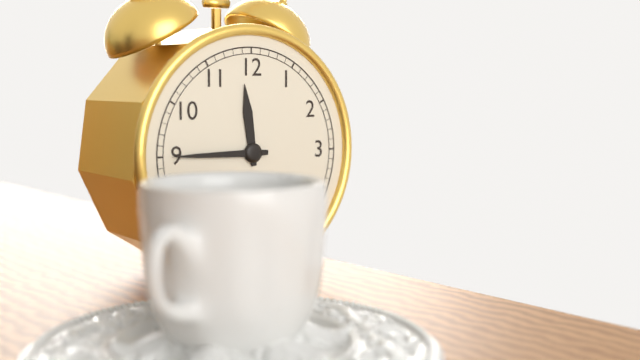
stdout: 11:45
